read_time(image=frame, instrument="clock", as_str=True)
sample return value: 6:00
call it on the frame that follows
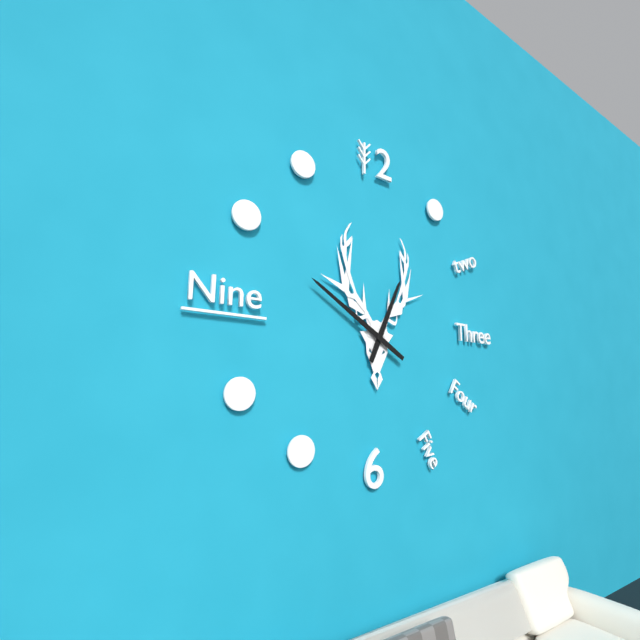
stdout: 12:50
